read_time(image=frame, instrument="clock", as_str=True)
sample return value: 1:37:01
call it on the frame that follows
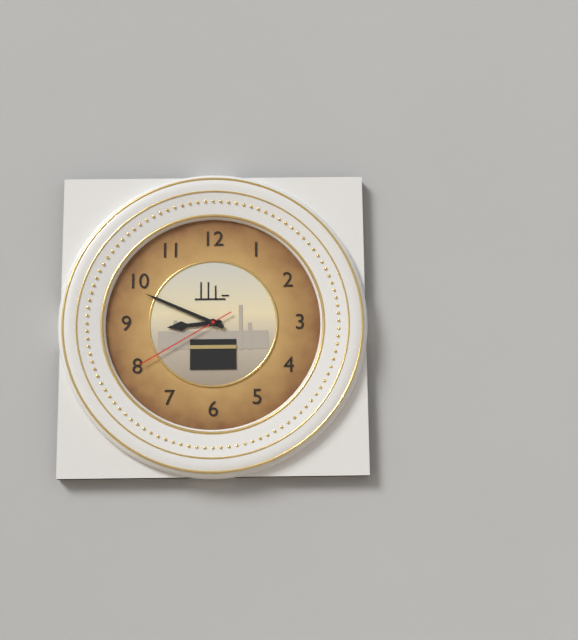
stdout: 8:49:40
